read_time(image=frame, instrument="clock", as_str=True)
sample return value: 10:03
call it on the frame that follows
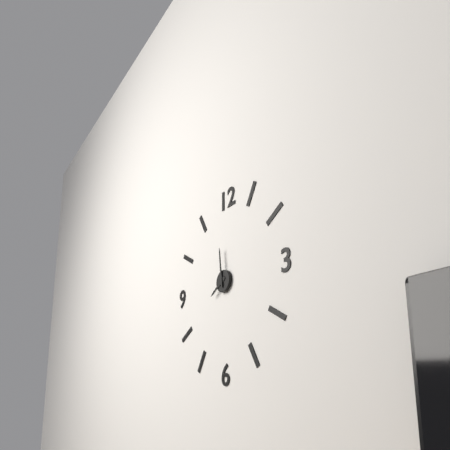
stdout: 7:59
